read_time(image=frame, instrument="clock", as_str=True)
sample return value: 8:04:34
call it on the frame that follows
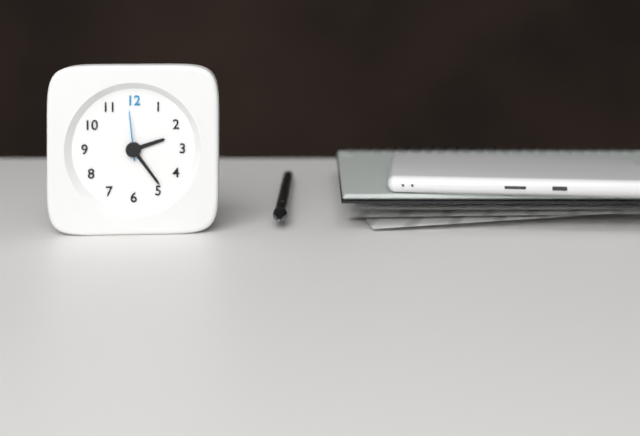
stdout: 2:24:59
